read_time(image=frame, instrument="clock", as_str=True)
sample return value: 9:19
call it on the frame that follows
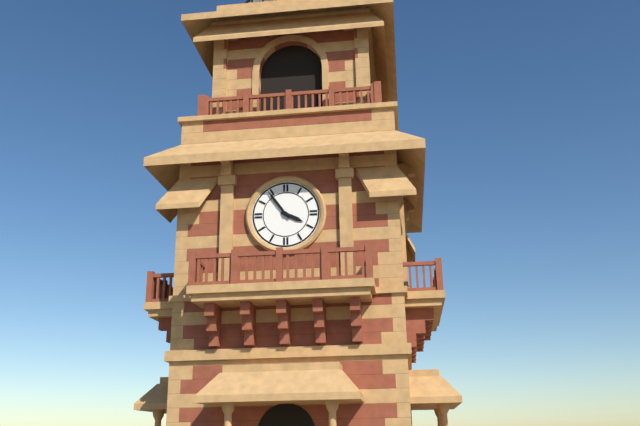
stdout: 3:54
